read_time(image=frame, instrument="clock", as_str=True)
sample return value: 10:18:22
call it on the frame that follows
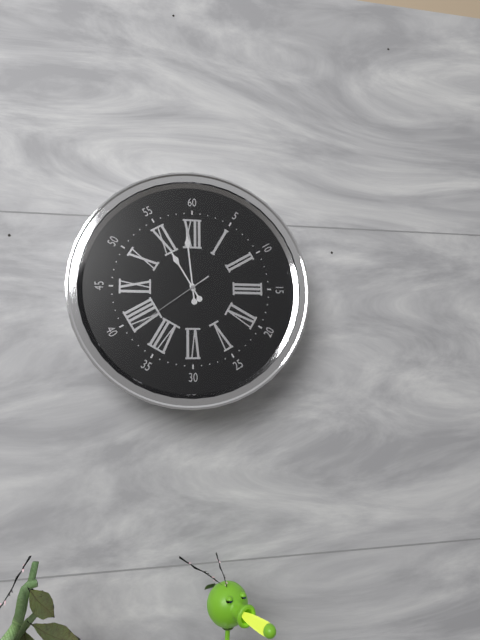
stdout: 10:59:39
